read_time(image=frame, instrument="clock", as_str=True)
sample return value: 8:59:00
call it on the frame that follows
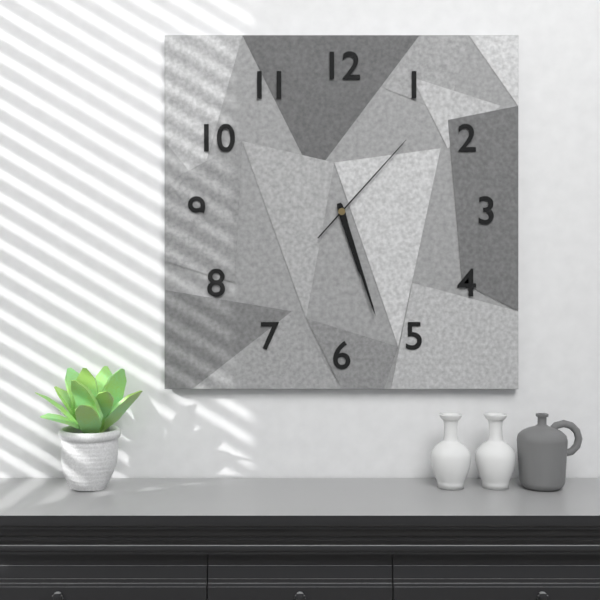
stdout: 5:27:07
